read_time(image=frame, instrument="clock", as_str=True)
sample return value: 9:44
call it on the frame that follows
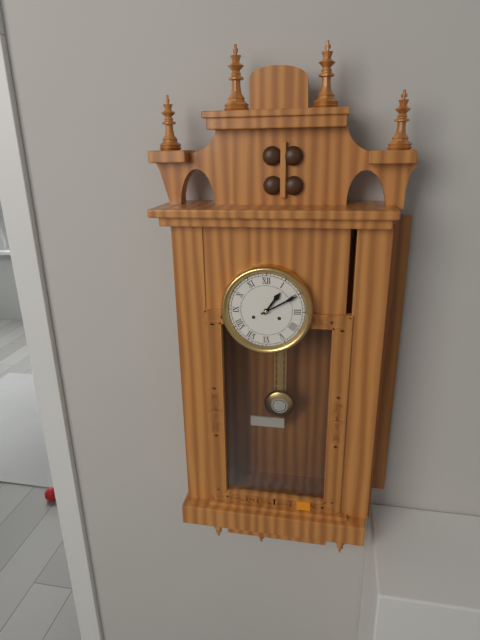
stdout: 1:10
